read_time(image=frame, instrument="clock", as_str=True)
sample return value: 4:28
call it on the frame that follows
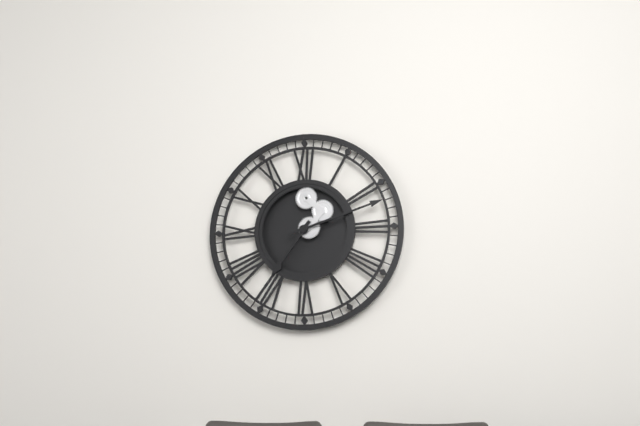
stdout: 7:12
